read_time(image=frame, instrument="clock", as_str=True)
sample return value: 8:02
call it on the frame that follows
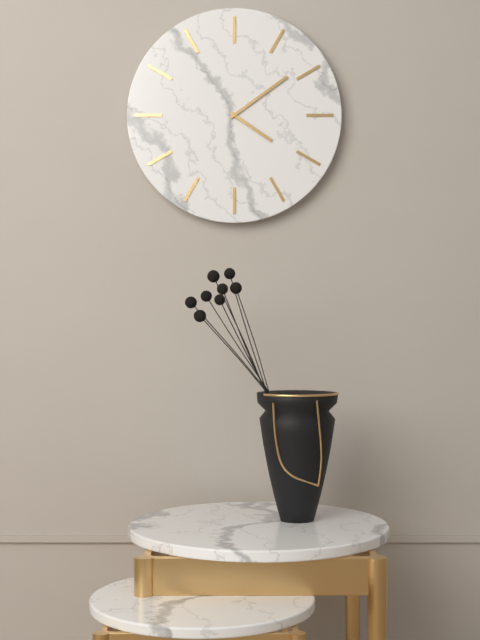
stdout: 4:09
